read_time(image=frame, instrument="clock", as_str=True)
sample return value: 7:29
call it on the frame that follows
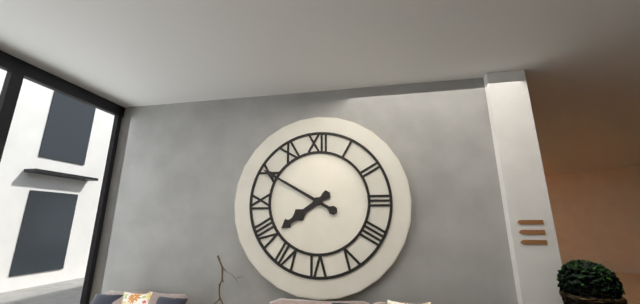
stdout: 7:50
